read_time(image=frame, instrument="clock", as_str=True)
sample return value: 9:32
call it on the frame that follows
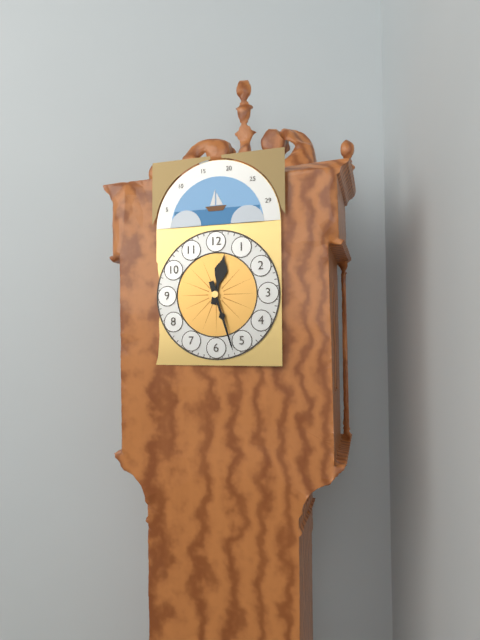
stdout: 12:27
